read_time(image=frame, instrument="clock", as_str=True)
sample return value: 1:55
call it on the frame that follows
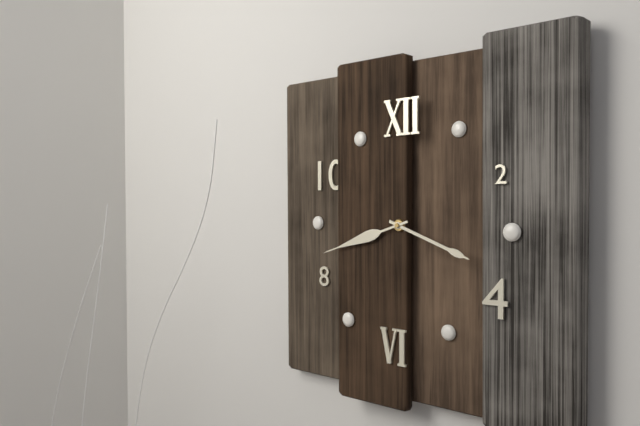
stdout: 3:42
